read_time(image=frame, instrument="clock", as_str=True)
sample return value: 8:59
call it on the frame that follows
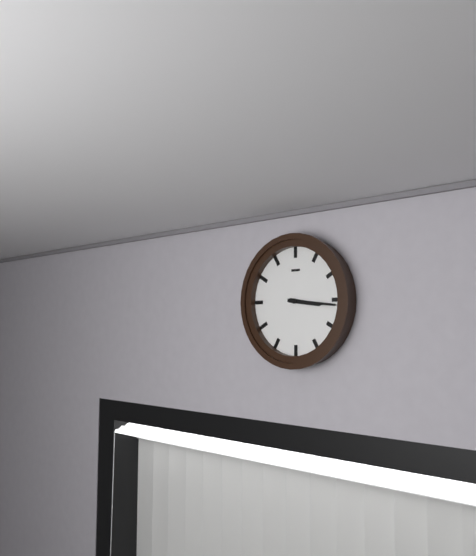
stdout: 3:16
